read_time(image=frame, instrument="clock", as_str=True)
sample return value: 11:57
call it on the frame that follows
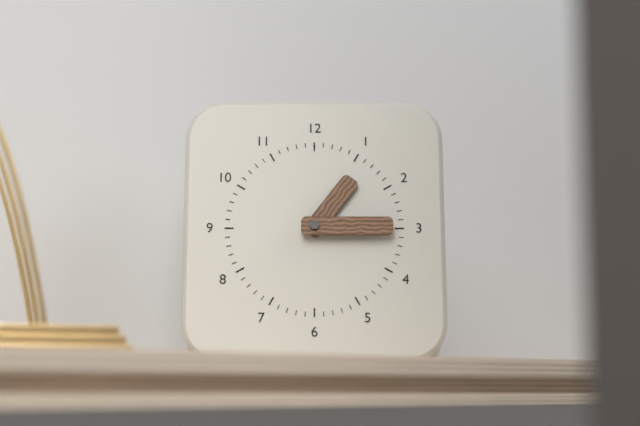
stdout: 1:15
